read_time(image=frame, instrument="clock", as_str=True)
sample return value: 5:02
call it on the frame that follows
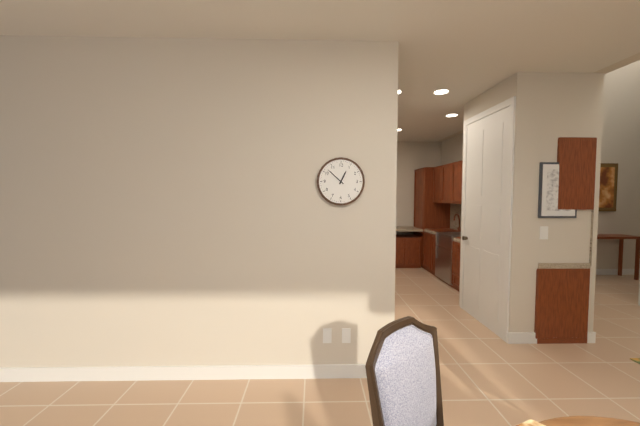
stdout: 12:52
